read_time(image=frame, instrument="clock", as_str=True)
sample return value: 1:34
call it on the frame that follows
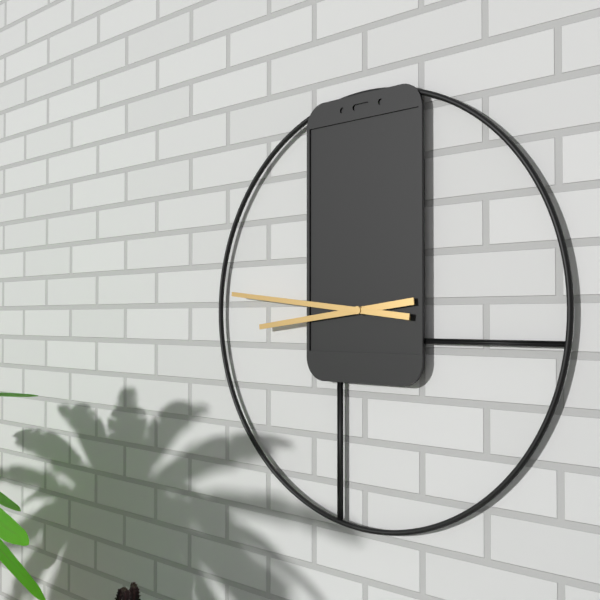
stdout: 8:46
